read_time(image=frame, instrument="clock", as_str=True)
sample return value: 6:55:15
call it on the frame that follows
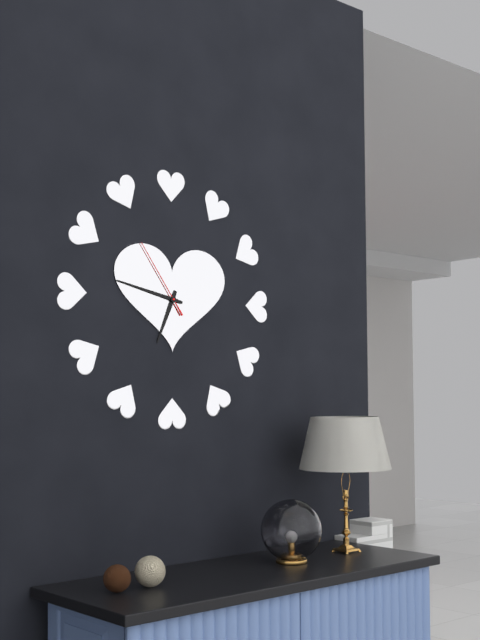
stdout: 6:47:54
